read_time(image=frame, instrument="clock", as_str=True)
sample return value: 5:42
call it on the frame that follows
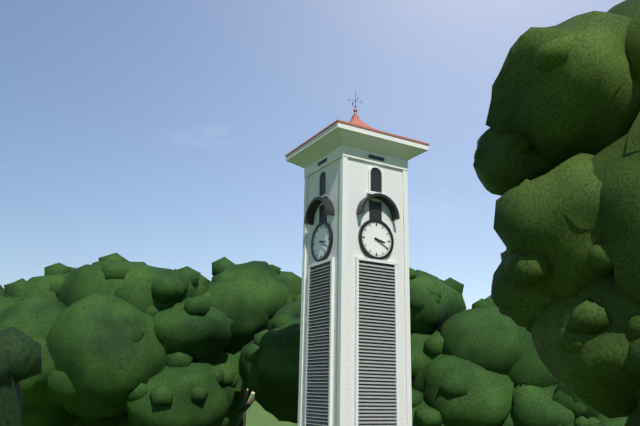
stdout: 3:20
